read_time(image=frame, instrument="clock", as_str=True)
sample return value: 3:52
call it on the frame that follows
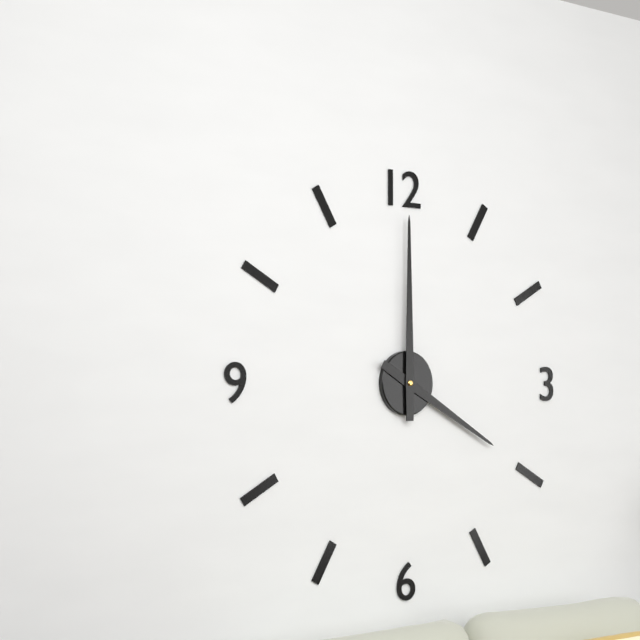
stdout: 4:00
